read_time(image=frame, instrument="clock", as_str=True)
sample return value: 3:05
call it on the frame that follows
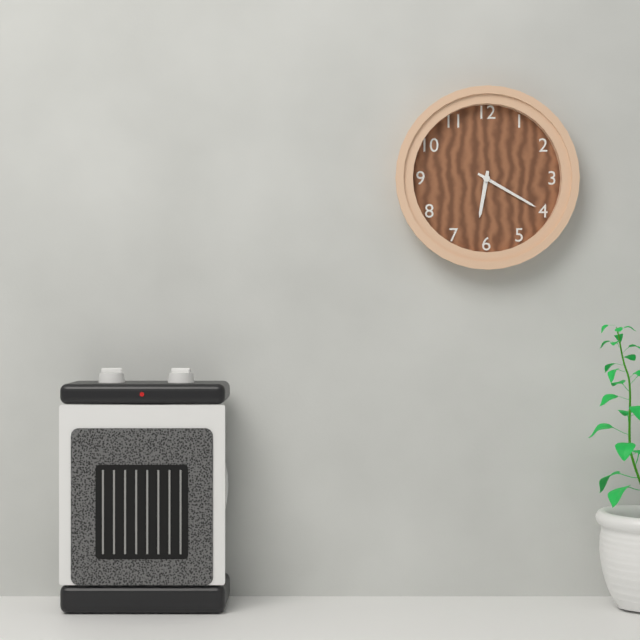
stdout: 6:20
